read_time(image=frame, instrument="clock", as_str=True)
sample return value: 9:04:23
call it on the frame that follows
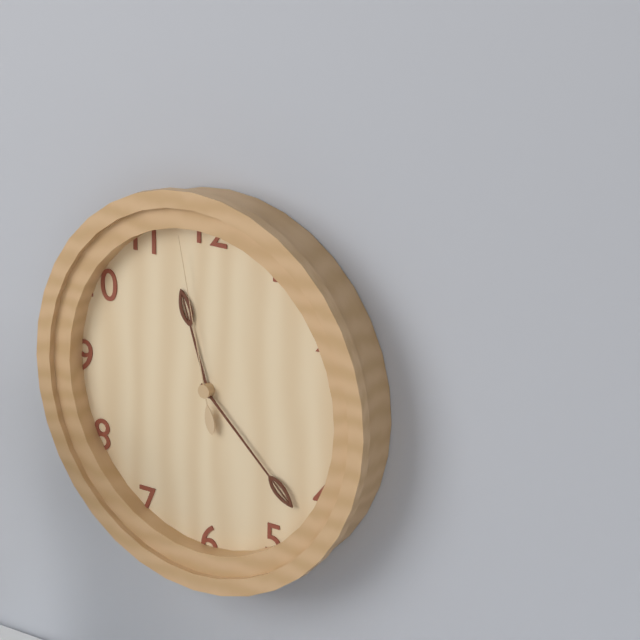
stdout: 11:22:58
